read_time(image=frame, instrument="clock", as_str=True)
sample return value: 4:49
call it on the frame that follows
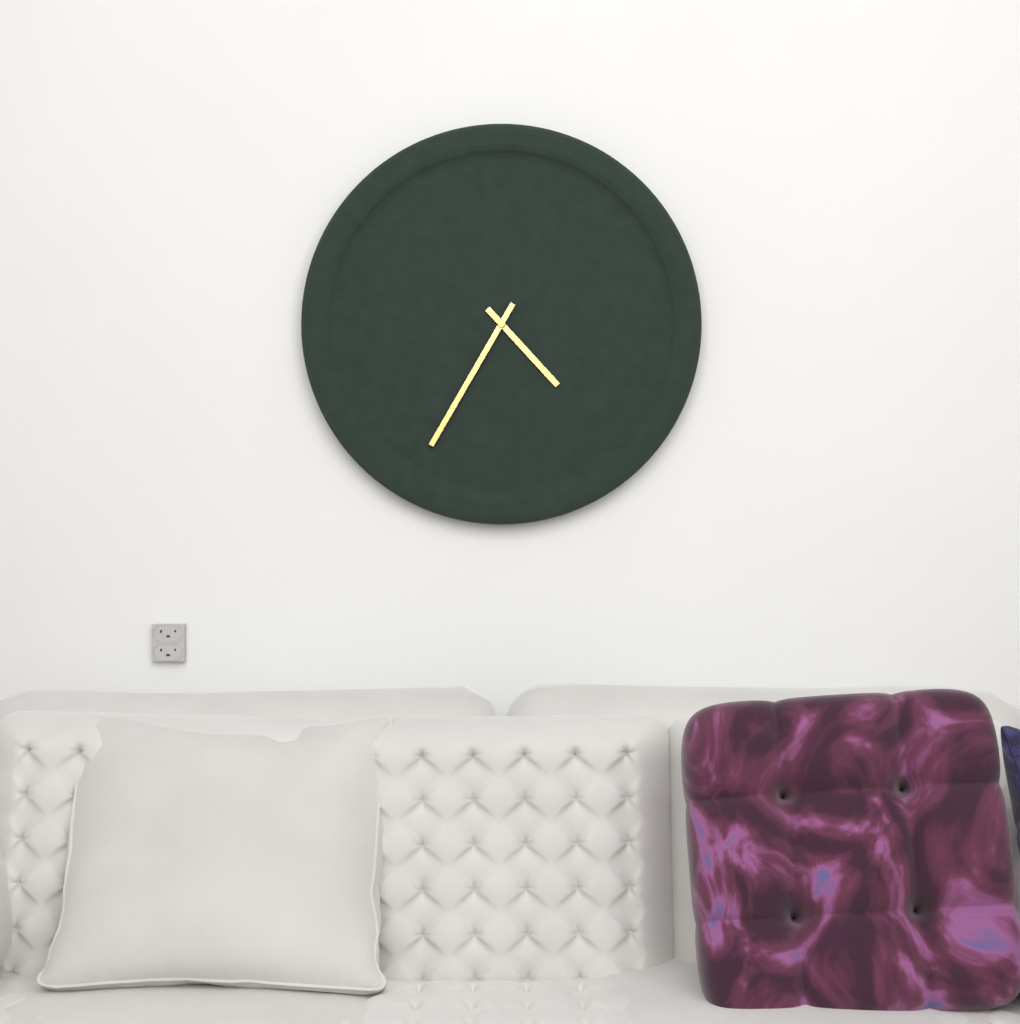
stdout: 4:35
